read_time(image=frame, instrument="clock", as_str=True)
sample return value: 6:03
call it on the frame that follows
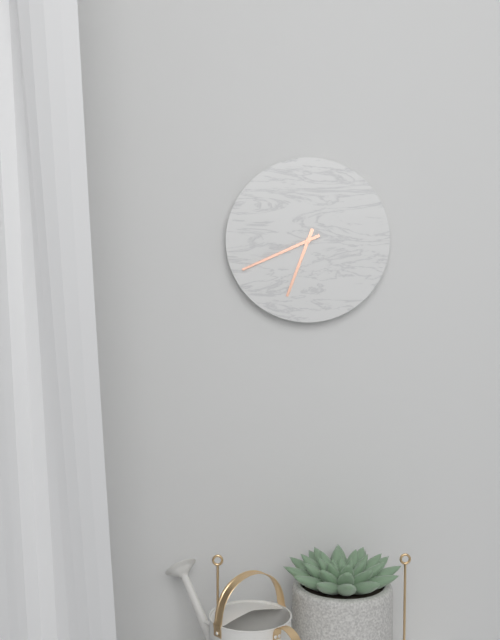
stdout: 6:41
